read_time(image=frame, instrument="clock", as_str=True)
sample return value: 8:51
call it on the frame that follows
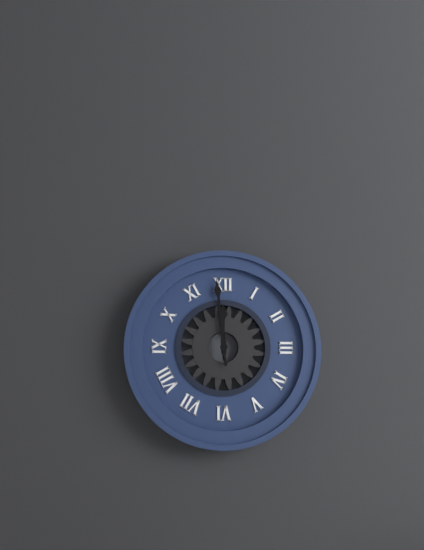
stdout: 11:59
